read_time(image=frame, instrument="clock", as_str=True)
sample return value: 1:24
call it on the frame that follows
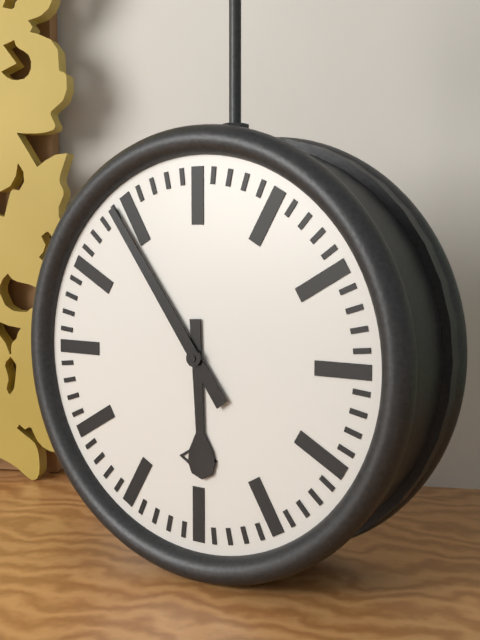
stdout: 5:54
